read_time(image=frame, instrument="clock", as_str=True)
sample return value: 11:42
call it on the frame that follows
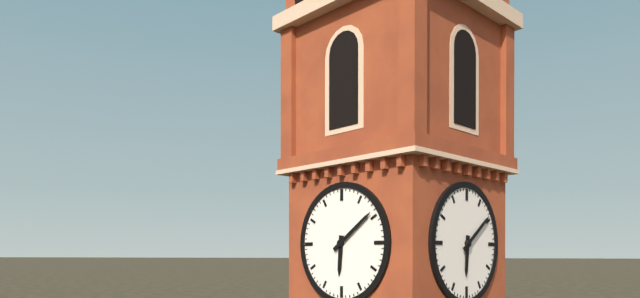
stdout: 6:09
